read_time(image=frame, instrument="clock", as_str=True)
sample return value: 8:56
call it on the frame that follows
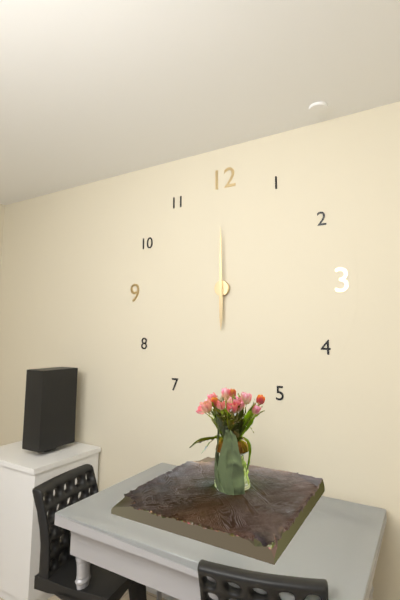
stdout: 6:00
